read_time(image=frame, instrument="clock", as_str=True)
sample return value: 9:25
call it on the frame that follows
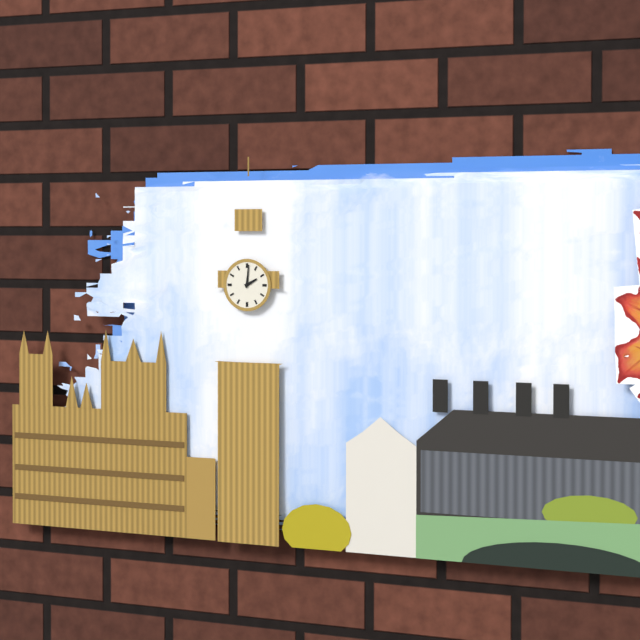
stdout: 2:01
